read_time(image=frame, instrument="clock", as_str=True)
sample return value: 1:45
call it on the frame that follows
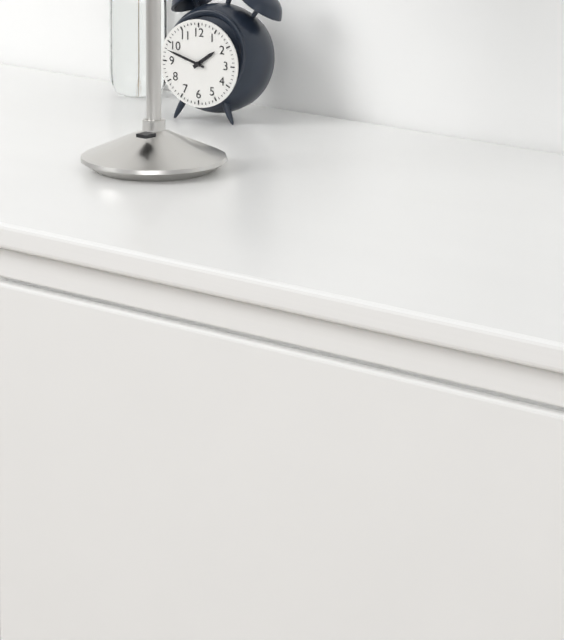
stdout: 1:48
